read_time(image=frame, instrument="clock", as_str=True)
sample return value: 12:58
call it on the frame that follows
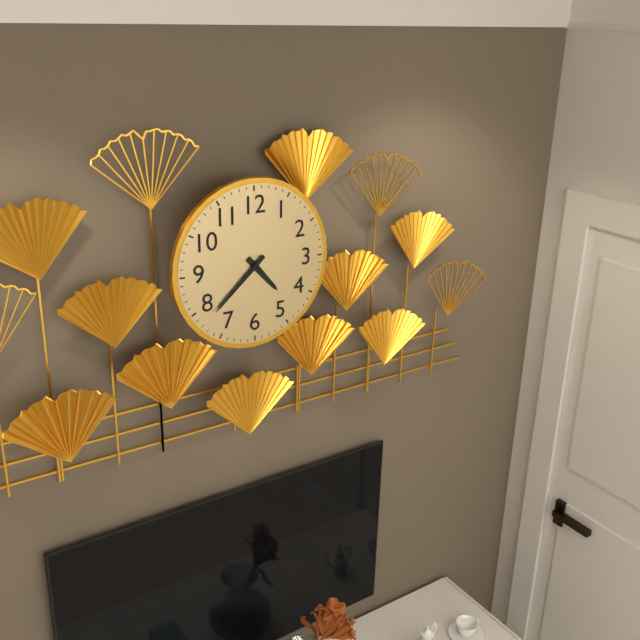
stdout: 4:38
